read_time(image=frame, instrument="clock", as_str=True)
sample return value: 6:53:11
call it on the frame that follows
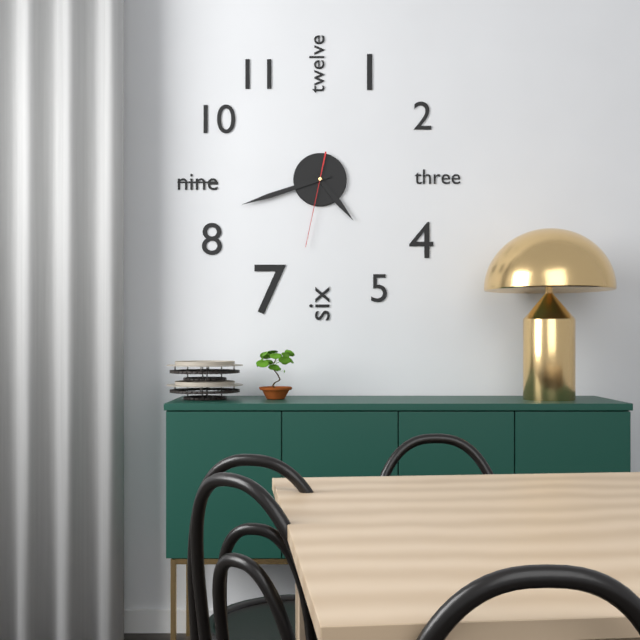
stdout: 4:42:32
